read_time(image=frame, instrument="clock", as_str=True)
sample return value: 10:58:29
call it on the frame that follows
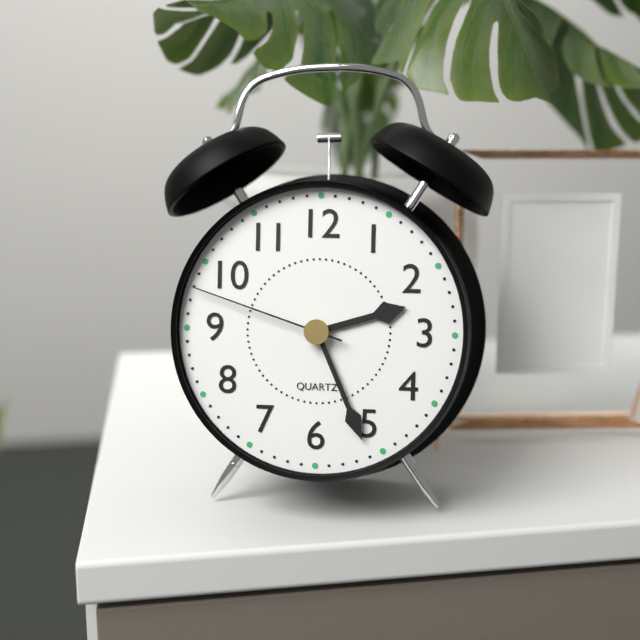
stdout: 2:26:48
